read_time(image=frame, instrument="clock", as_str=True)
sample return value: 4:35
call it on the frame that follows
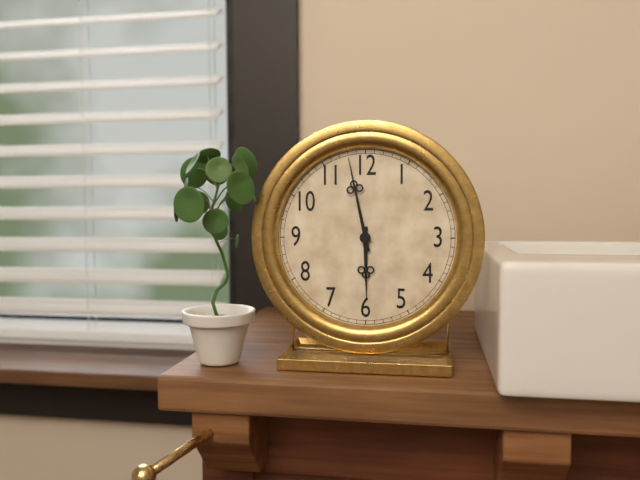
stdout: 5:58
